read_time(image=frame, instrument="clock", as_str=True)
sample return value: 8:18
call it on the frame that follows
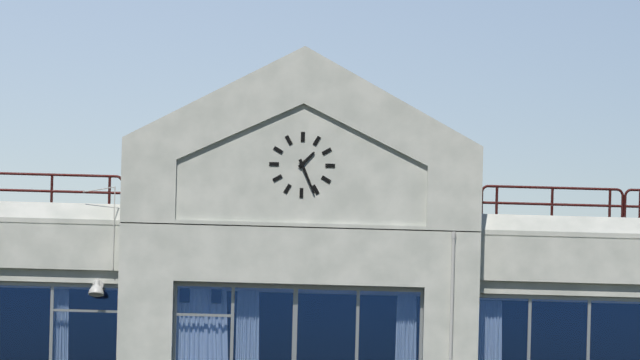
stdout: 1:26
